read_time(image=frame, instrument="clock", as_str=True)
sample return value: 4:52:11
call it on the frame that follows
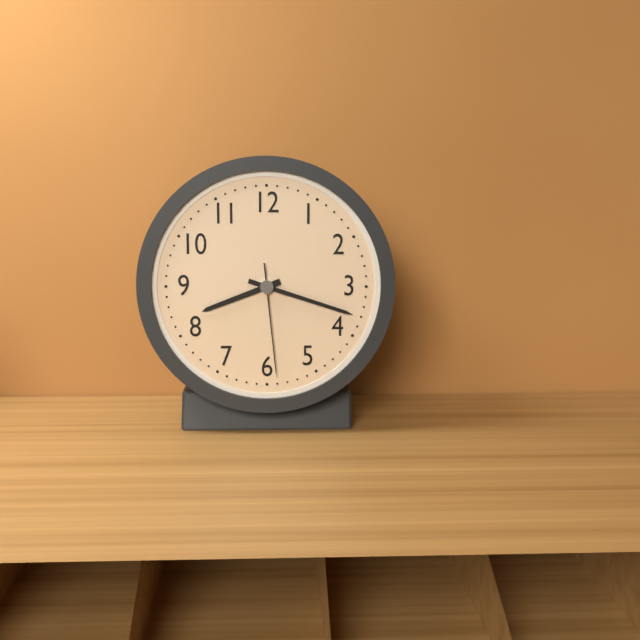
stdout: 8:18:29
